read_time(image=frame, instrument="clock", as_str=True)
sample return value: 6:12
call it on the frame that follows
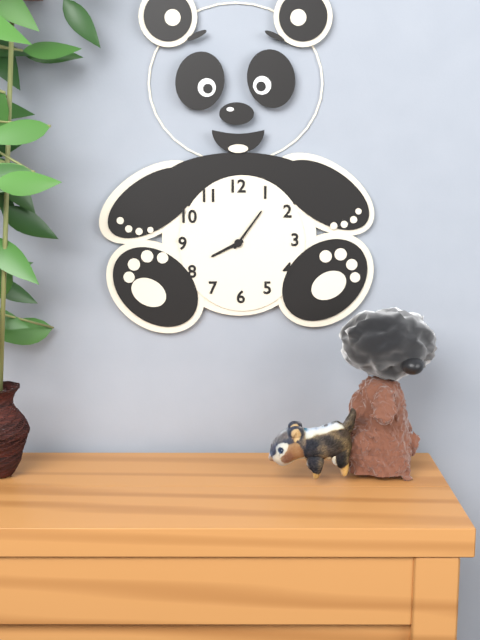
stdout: 8:06
